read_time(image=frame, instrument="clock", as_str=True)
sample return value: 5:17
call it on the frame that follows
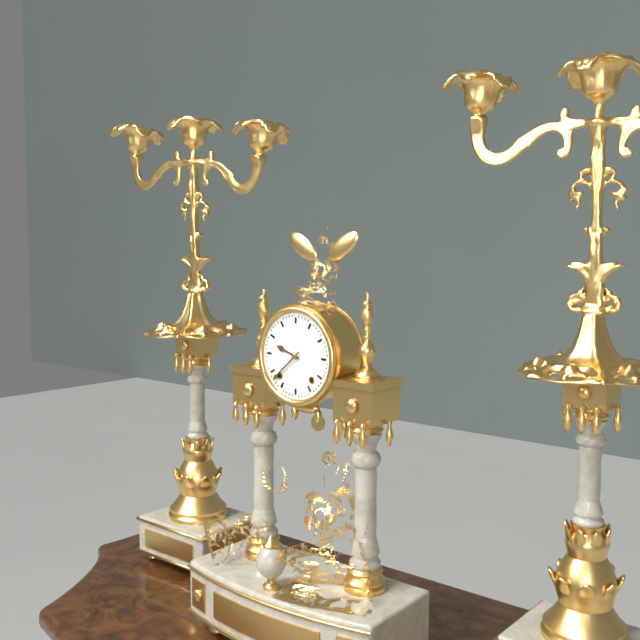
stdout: 9:38
